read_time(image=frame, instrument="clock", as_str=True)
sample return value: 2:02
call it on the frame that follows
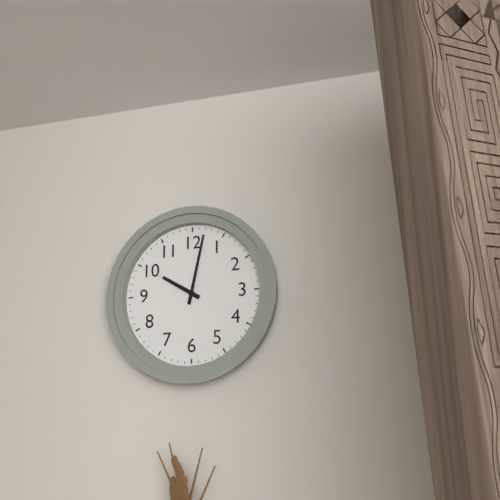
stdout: 10:02
